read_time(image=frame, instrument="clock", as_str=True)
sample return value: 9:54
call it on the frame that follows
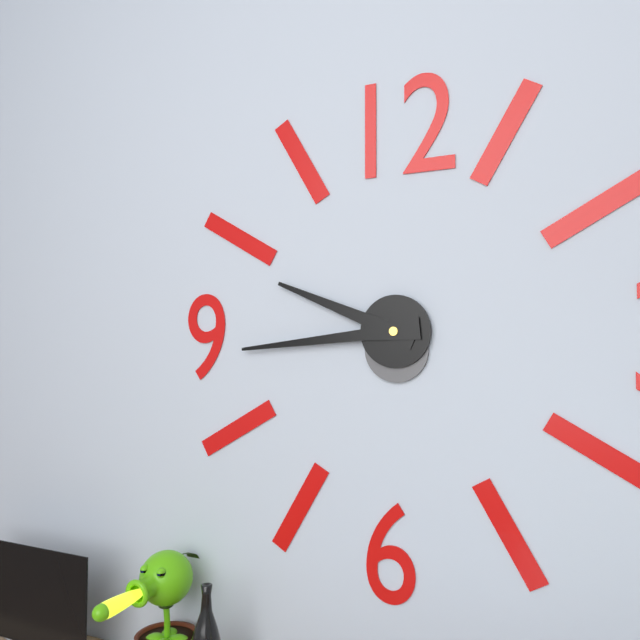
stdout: 9:44
